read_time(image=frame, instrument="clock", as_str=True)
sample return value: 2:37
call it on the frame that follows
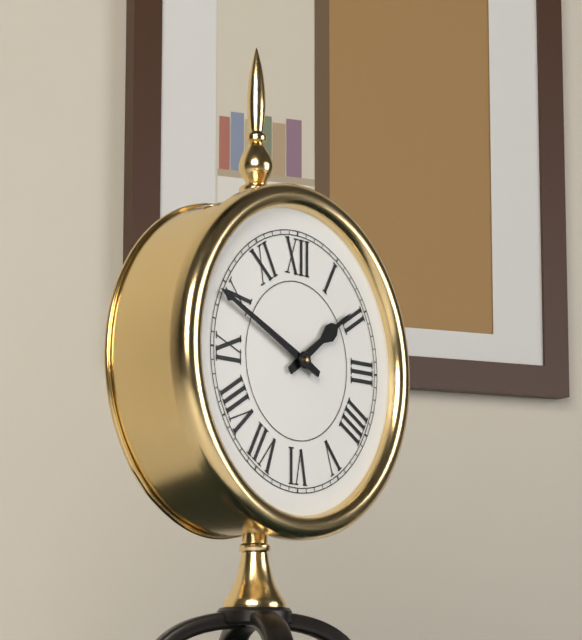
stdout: 1:49
